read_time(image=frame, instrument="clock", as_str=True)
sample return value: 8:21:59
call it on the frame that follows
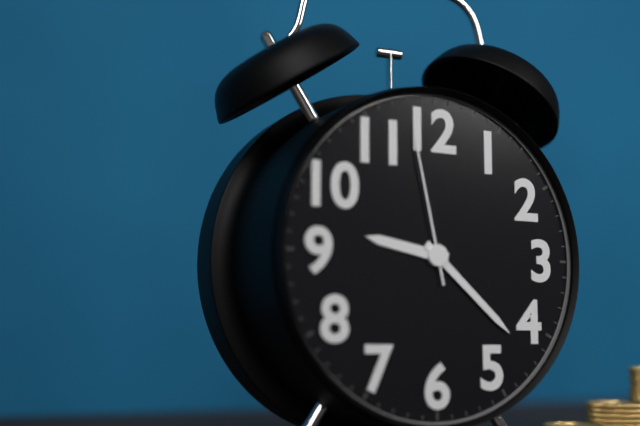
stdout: 9:22:58
